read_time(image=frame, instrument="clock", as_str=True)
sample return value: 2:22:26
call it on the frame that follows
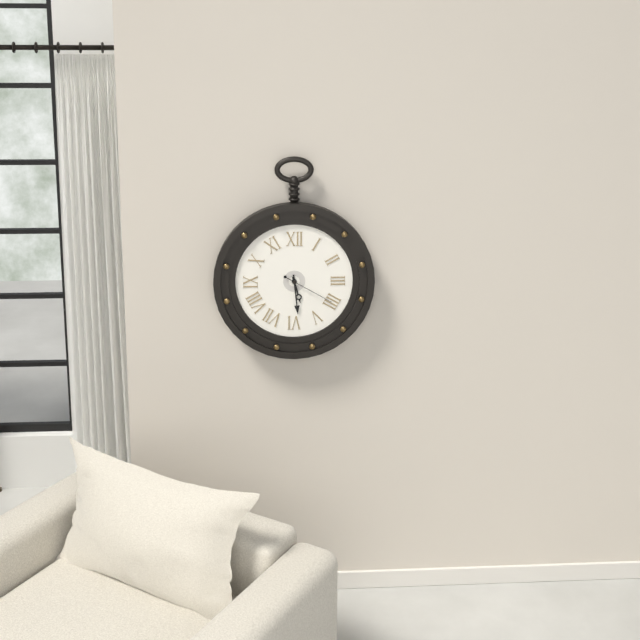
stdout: 5:29:20
